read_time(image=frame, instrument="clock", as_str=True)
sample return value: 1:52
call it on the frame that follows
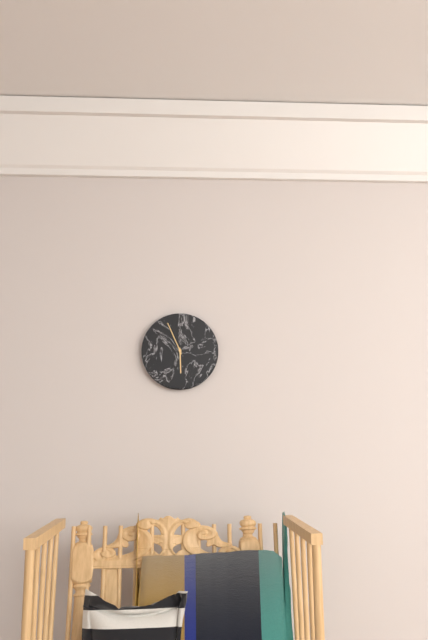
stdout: 5:56
